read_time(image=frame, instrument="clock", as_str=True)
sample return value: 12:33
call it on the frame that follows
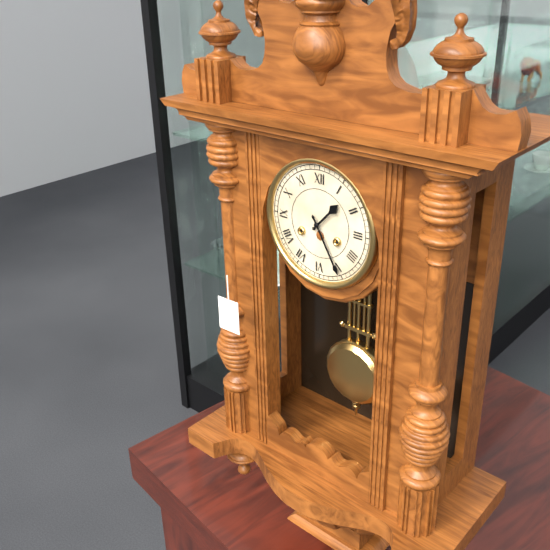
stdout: 1:25
